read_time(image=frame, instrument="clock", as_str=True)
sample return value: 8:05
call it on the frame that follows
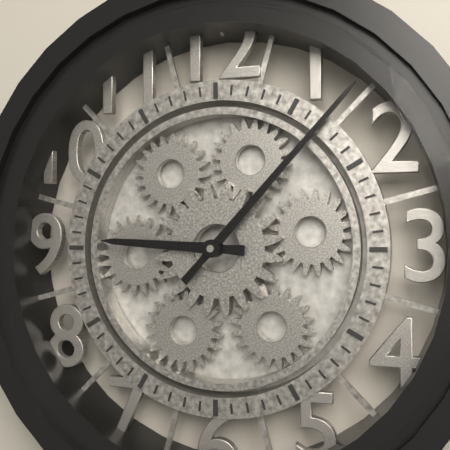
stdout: 9:07
